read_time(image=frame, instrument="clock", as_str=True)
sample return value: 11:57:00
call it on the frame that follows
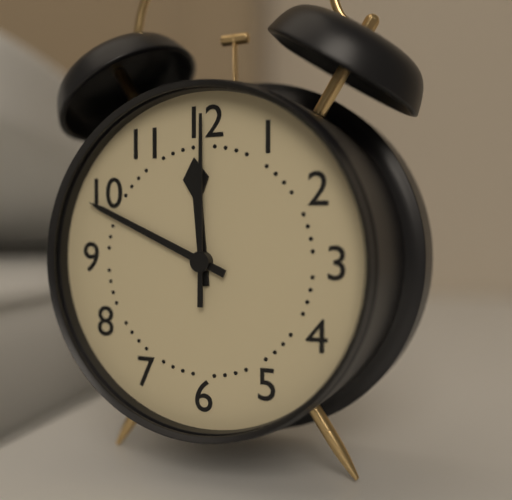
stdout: 11:49:00
